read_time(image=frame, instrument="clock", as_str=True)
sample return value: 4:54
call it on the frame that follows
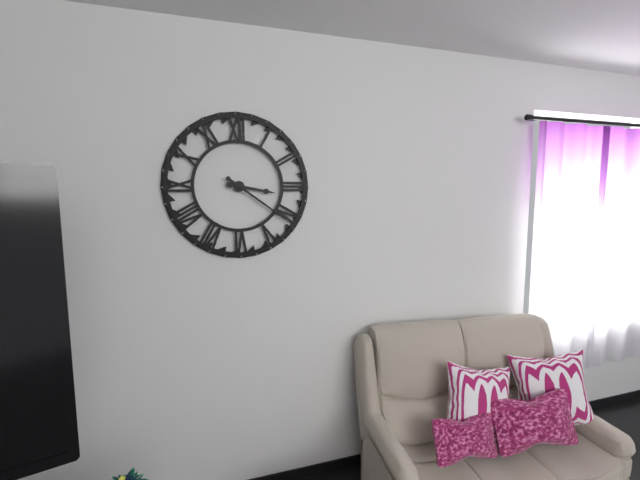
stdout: 3:21
